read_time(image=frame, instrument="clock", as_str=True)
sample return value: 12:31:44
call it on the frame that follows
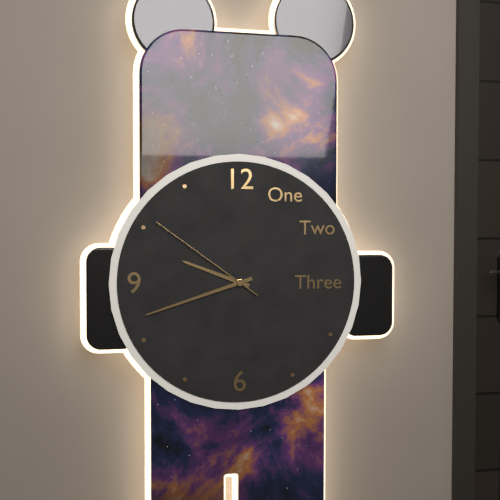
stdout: 9:42:51
